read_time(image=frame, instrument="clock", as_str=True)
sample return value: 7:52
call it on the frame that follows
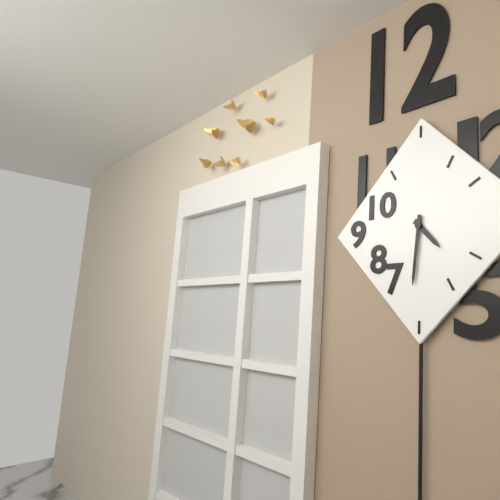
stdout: 4:31
